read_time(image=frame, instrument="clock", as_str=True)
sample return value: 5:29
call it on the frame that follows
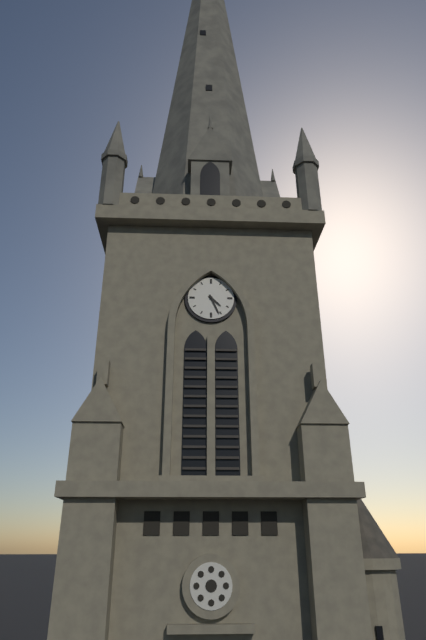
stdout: 4:26
